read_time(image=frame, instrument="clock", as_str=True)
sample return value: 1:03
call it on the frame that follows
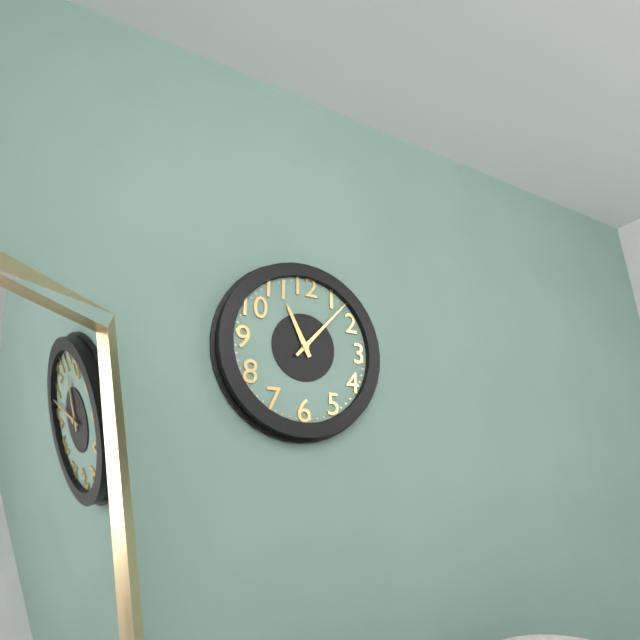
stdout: 11:07
